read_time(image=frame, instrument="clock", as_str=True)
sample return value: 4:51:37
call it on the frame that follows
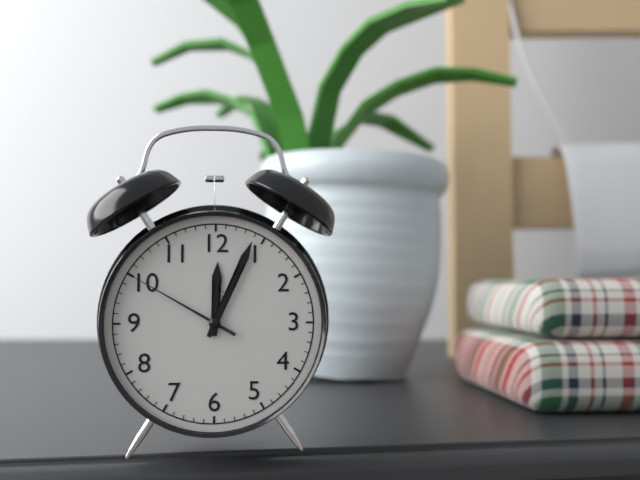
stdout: 12:04:50
